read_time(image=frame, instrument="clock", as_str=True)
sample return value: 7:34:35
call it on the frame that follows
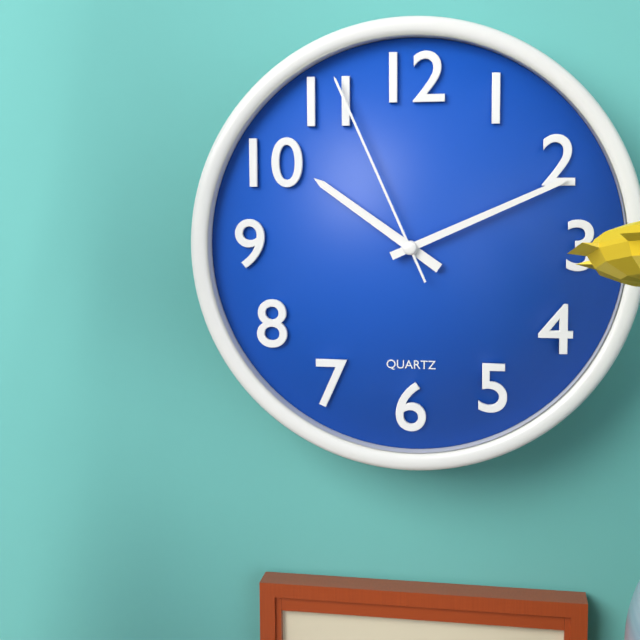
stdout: 10:11:56
